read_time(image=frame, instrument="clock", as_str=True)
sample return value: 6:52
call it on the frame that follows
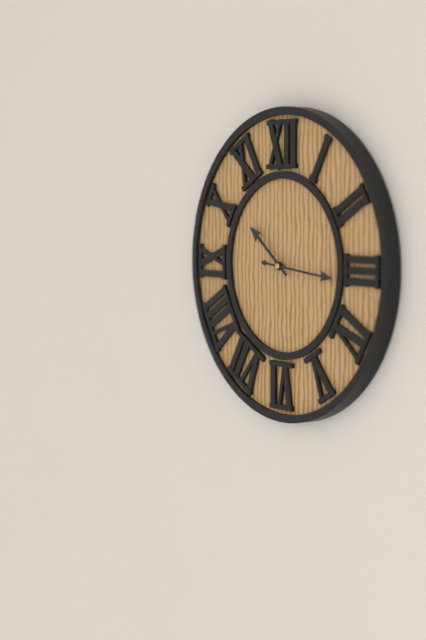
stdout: 10:16
